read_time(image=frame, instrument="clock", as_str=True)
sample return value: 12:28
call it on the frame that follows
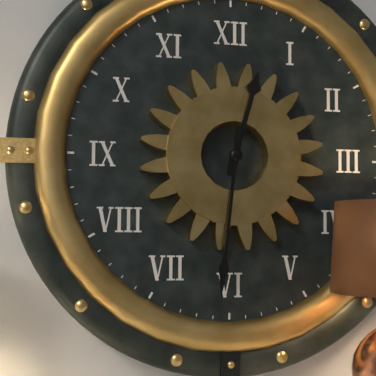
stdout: 12:31
